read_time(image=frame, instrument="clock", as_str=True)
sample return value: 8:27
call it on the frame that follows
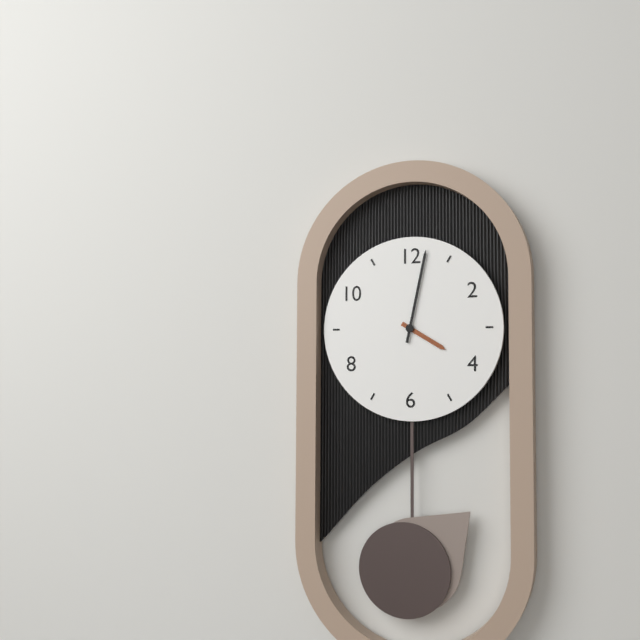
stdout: 4:02
